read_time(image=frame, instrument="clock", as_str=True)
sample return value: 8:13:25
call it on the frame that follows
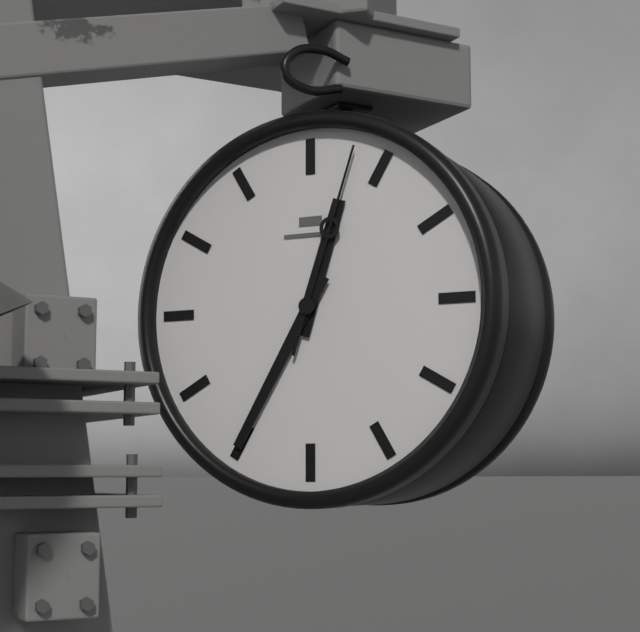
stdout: 12:35:03
